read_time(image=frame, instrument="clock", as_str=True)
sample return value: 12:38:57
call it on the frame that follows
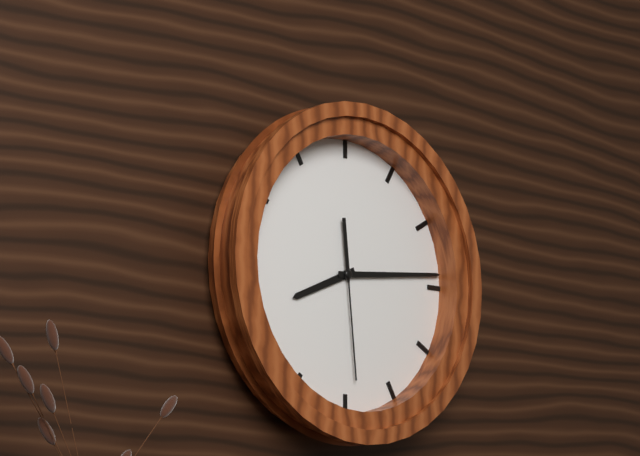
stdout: 8:14:29
